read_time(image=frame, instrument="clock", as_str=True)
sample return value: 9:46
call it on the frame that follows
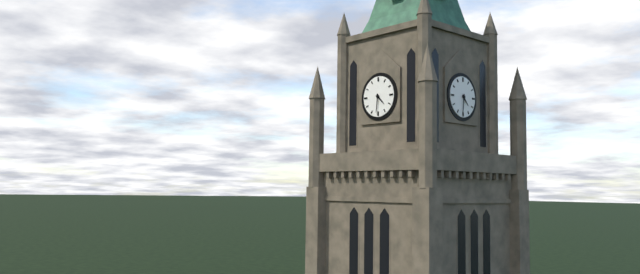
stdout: 4:31
